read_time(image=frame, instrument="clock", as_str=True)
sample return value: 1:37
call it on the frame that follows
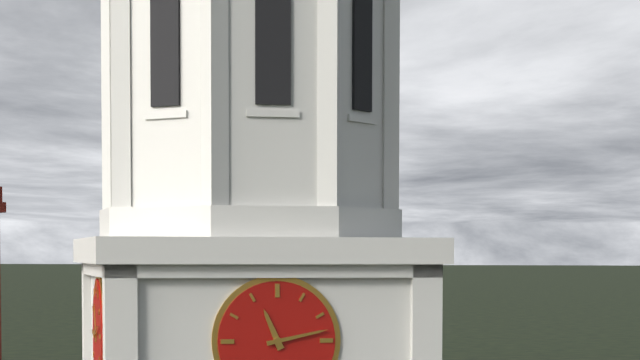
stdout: 11:13
